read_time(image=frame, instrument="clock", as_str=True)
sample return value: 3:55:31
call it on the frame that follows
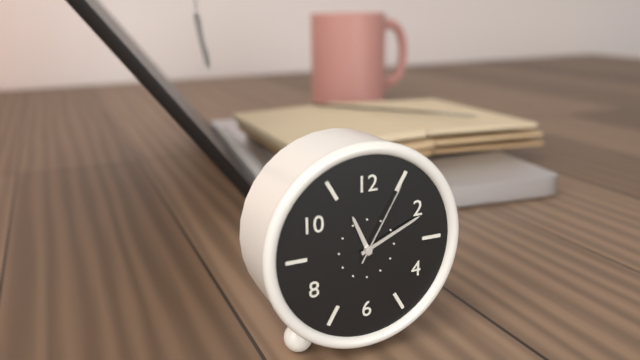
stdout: 11:11:05
